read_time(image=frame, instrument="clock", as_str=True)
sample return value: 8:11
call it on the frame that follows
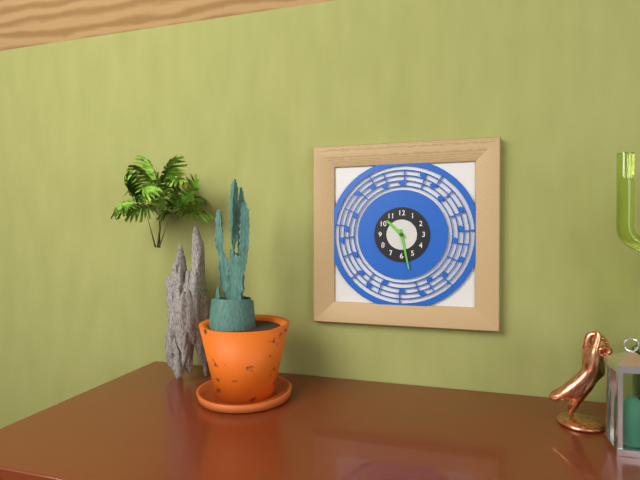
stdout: 10:28
